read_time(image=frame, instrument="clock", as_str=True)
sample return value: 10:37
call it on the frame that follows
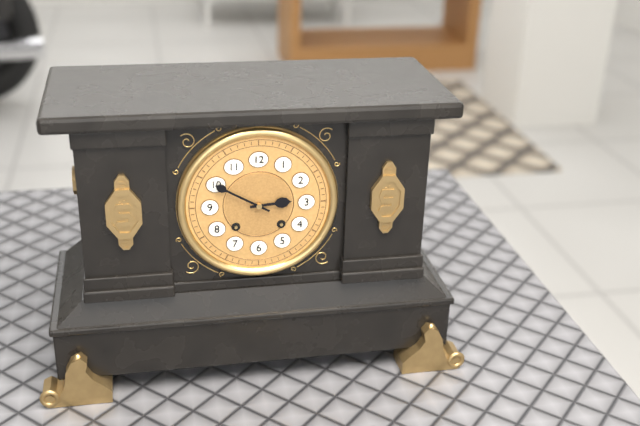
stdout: 2:50
